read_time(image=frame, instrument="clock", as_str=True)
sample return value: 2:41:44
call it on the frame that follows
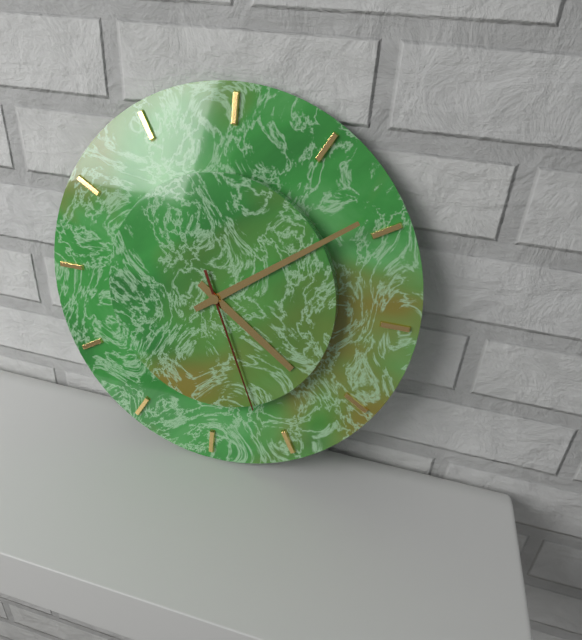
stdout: 4:09:26
